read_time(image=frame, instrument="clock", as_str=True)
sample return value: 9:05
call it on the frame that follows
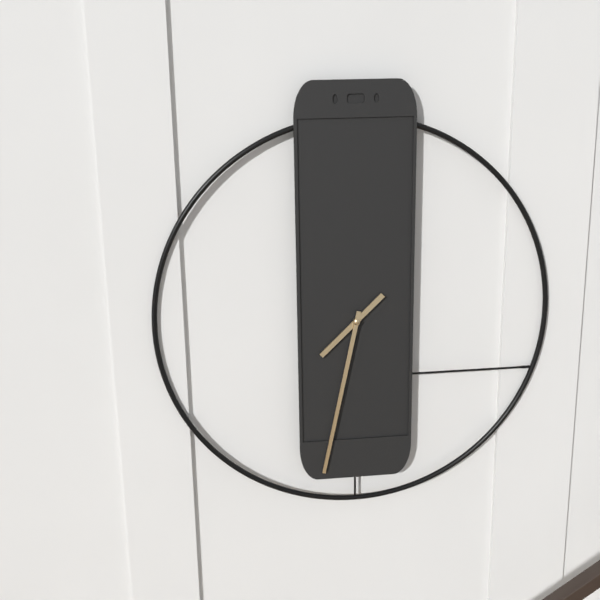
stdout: 7:32
